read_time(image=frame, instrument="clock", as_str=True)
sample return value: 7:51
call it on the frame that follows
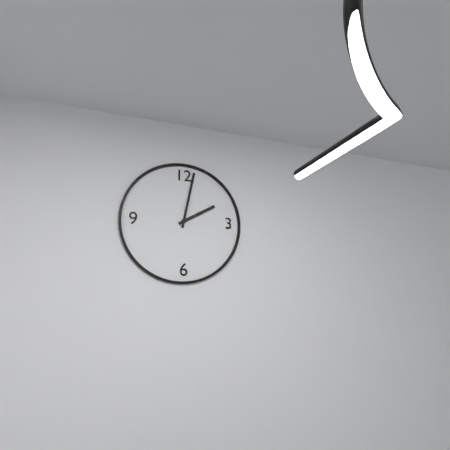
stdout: 2:02
